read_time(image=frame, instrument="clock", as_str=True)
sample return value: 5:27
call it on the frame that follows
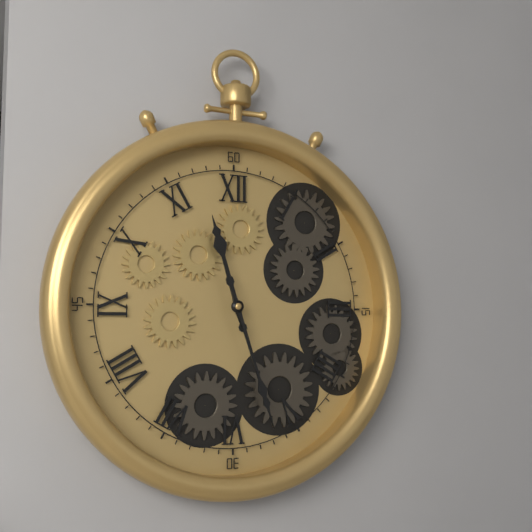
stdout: 11:27
